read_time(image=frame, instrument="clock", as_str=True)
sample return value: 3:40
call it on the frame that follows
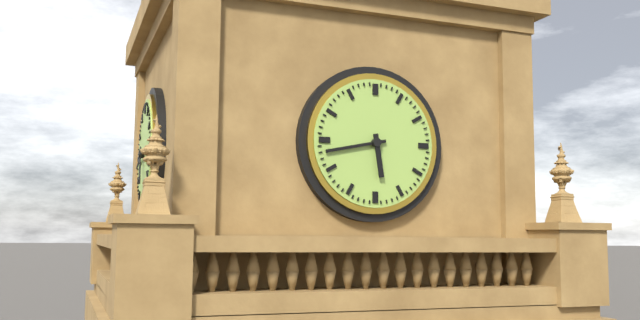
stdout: 5:43
